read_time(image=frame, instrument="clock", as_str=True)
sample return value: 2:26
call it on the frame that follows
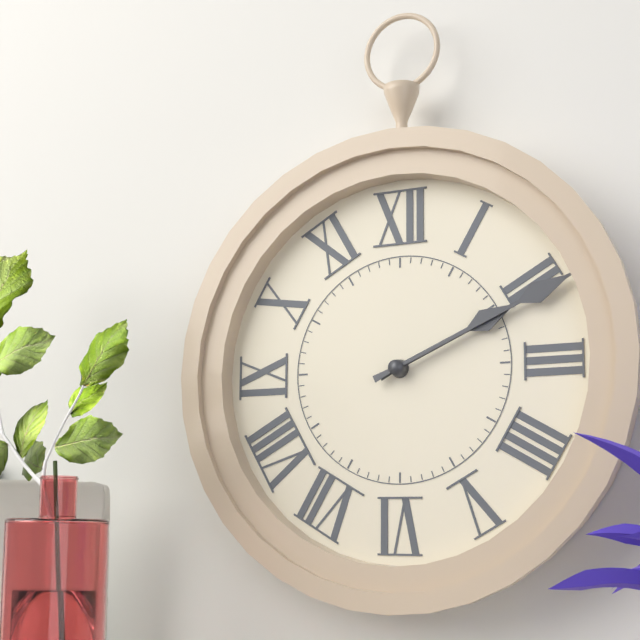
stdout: 2:11
